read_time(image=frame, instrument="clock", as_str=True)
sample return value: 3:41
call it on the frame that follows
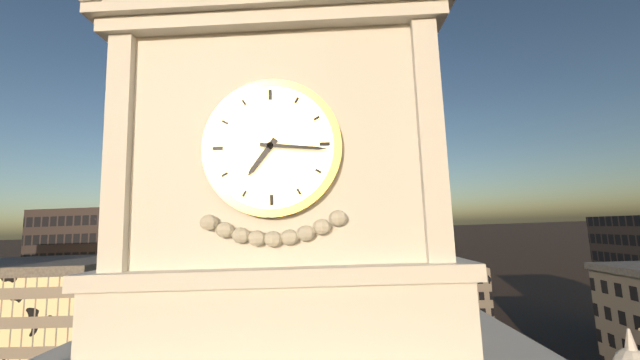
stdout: 7:16
